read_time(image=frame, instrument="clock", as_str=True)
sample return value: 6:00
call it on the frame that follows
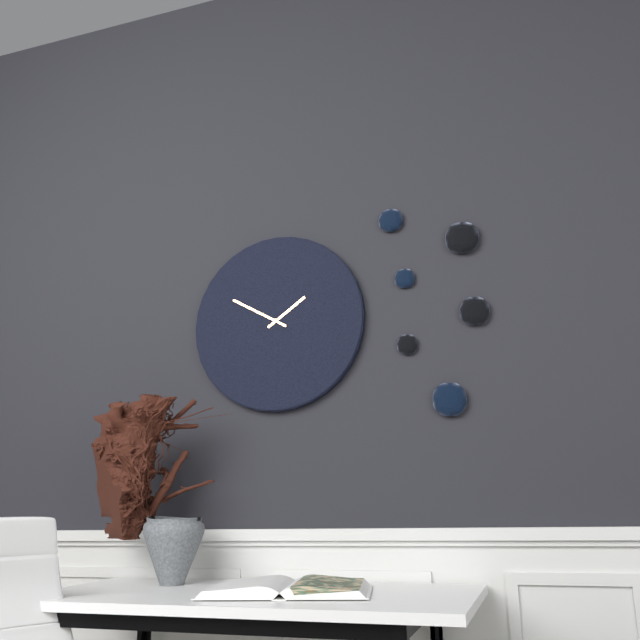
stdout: 1:50
